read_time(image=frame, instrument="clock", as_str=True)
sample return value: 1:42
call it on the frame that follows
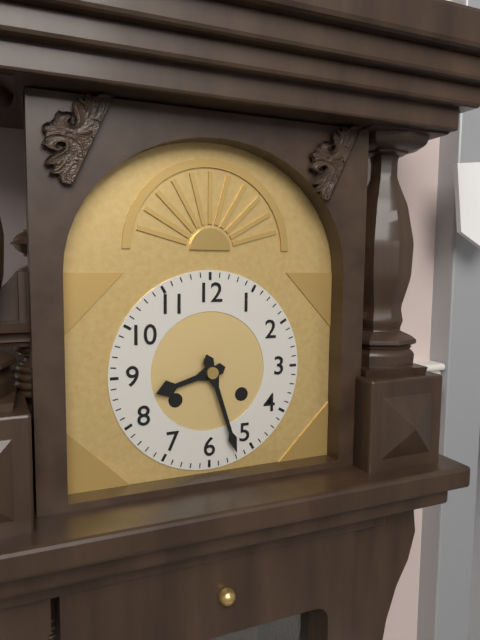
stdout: 8:27
